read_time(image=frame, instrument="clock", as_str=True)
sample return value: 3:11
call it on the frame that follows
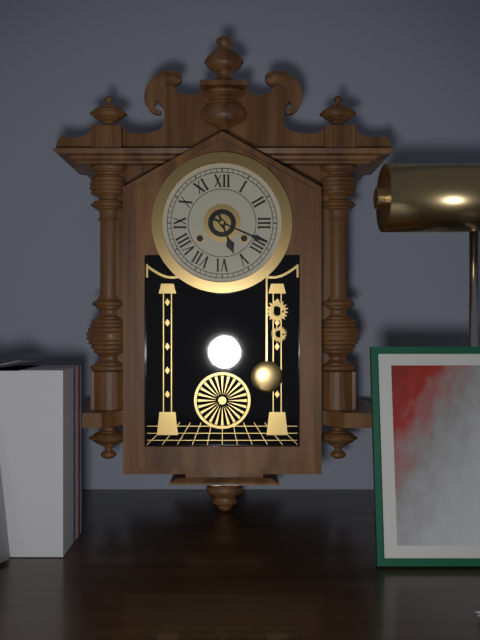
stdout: 5:19
